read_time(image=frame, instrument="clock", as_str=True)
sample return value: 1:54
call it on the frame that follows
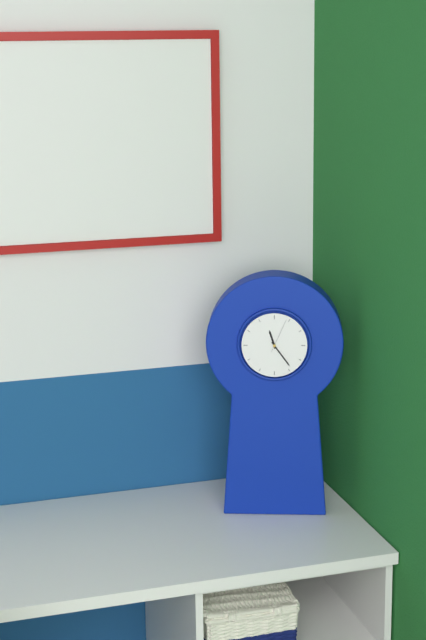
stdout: 11:24
